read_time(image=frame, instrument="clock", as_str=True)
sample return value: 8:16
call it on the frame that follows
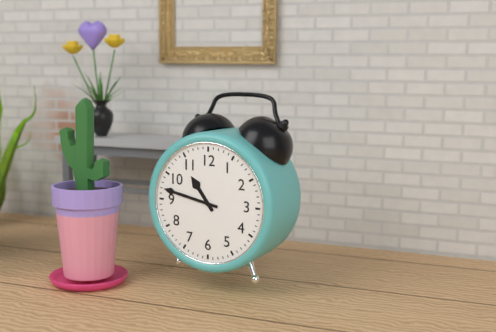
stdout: 10:47
